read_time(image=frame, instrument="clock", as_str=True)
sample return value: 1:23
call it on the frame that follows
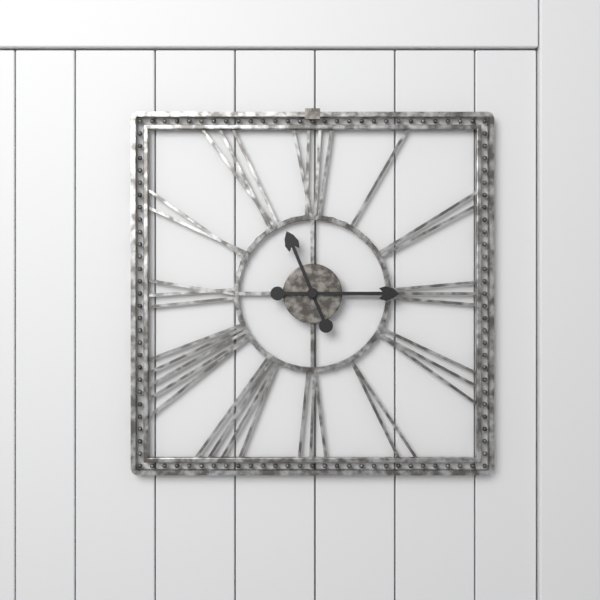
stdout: 11:15
